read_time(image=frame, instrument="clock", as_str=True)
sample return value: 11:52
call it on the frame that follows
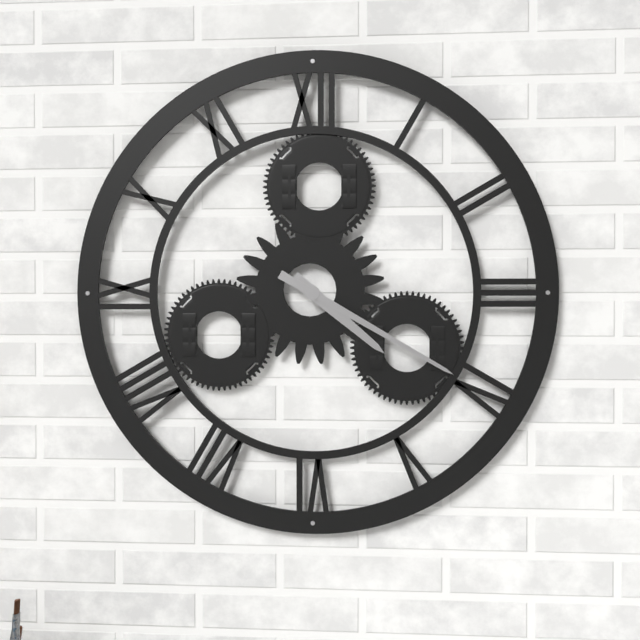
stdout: 4:20
